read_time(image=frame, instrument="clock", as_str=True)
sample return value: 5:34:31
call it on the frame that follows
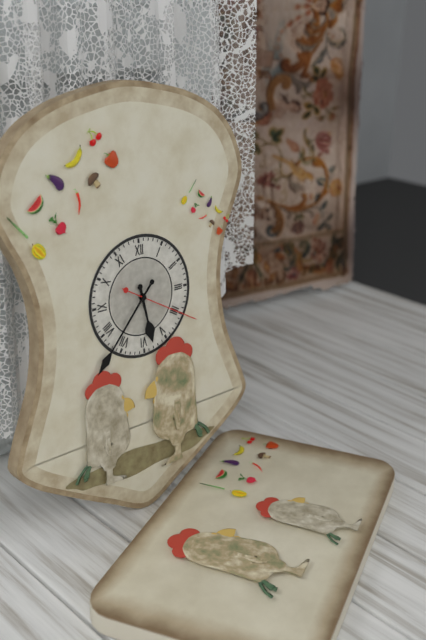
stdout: 5:37:20
